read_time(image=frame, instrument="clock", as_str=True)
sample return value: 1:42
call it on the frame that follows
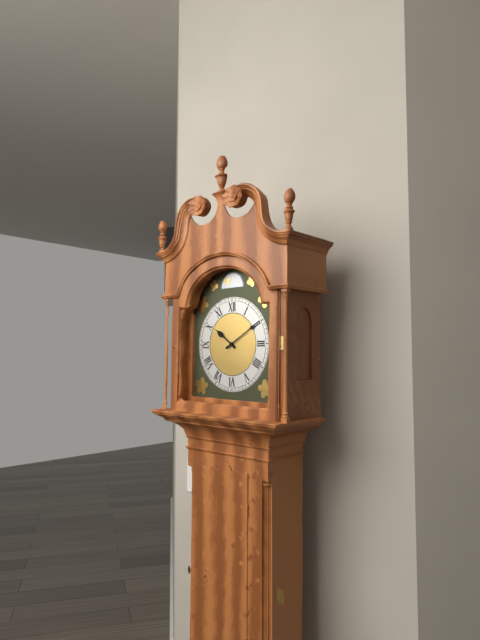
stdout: 10:10
